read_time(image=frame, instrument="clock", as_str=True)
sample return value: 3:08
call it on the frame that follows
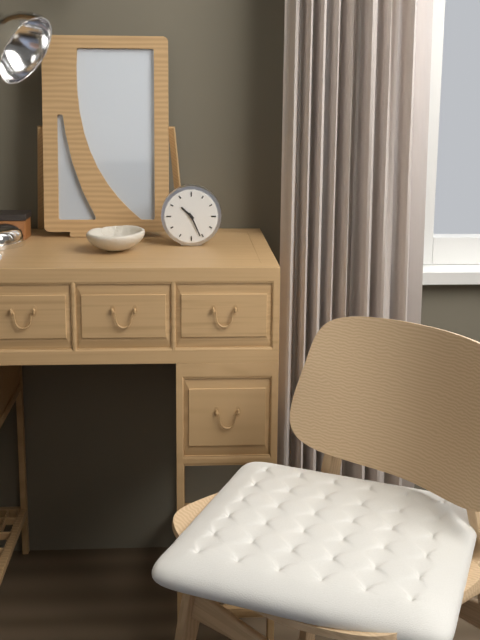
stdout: 10:26
